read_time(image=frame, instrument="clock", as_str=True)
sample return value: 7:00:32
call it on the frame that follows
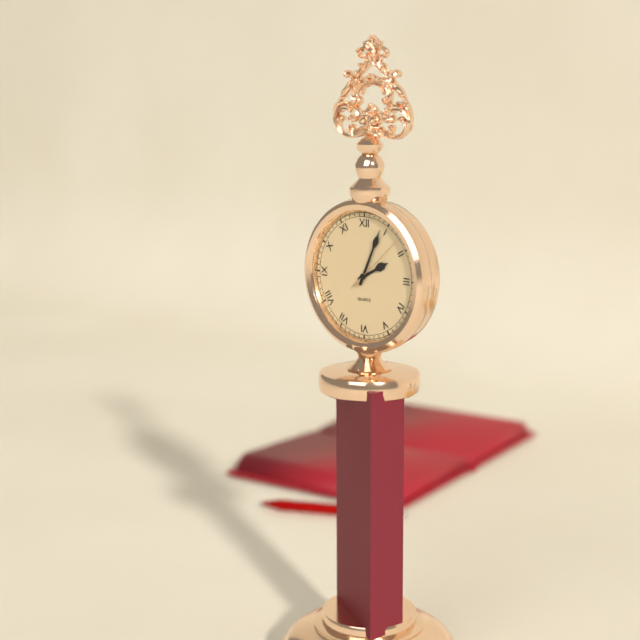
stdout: 2:04:08
